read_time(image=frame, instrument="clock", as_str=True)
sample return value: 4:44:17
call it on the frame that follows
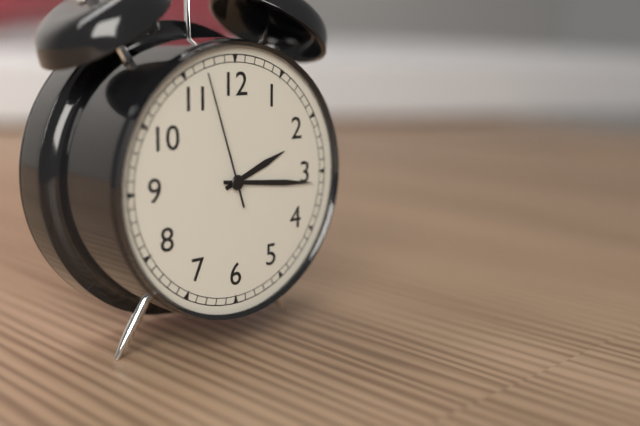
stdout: 2:16:57
